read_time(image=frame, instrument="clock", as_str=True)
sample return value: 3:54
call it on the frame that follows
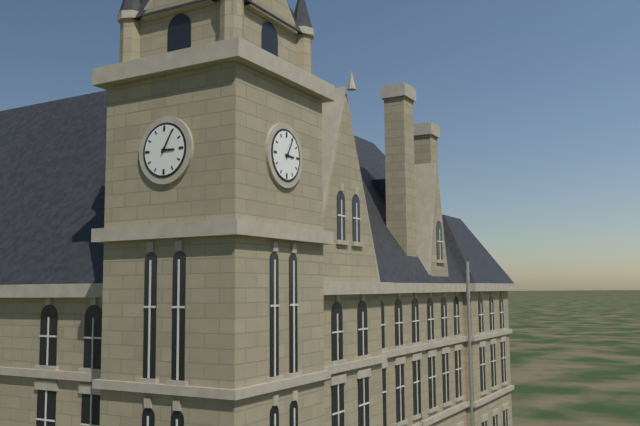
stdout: 3:05
